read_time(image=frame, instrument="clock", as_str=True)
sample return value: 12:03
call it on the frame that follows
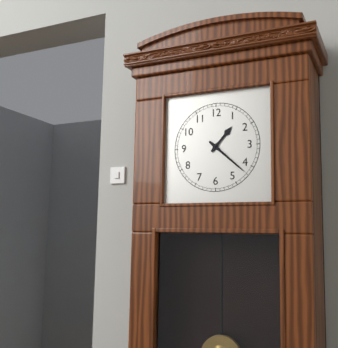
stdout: 1:22
